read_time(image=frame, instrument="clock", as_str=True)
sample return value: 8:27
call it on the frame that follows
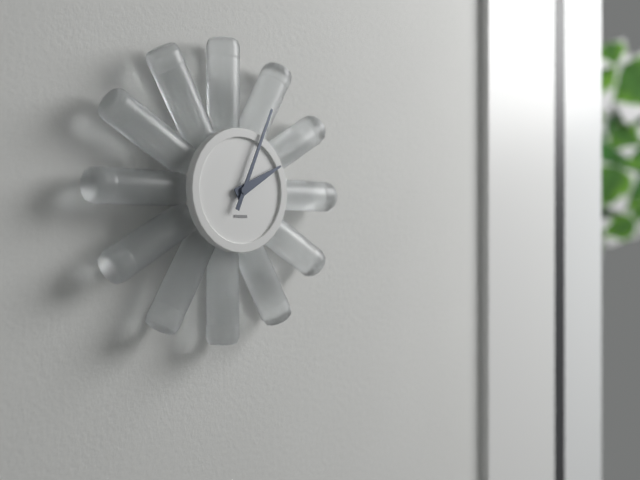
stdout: 2:04
